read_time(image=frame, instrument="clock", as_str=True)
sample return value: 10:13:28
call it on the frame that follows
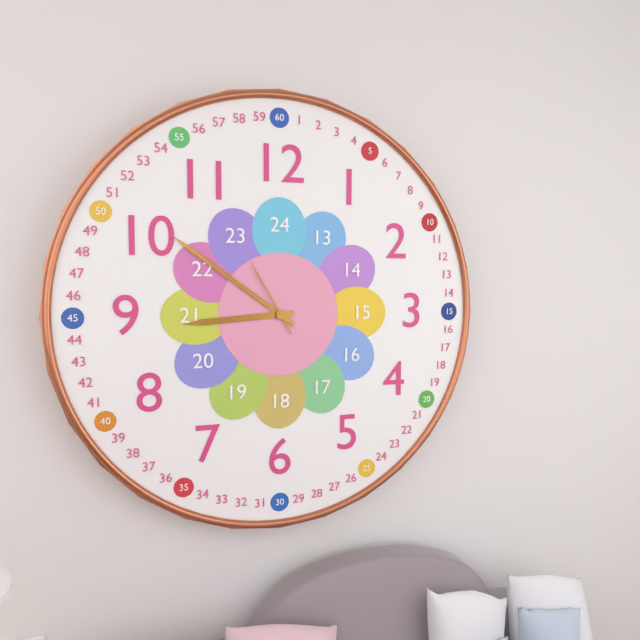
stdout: 8:51:55
